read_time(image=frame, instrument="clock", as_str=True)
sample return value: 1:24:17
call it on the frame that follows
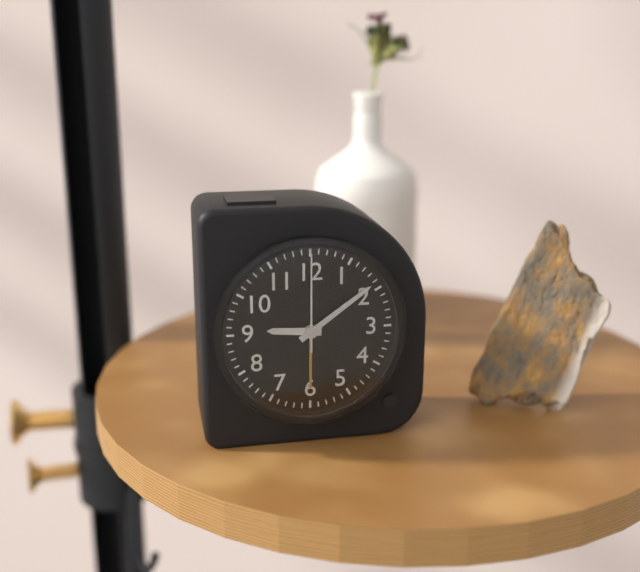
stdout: 9:09:00
